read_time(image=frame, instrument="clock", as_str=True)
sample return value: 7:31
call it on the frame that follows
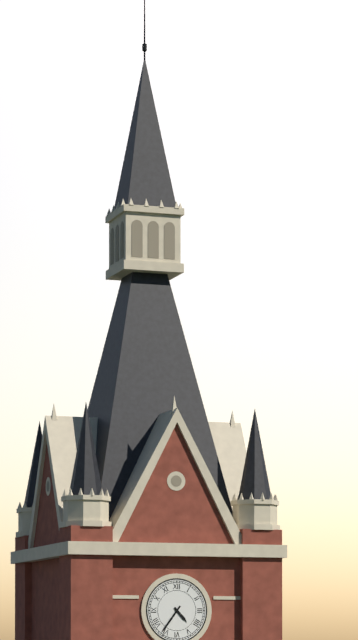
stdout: 4:36
